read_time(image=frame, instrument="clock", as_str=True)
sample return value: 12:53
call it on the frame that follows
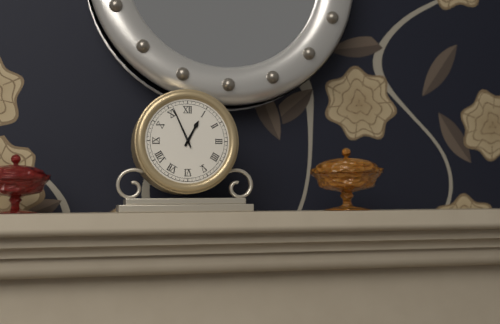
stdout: 12:56
